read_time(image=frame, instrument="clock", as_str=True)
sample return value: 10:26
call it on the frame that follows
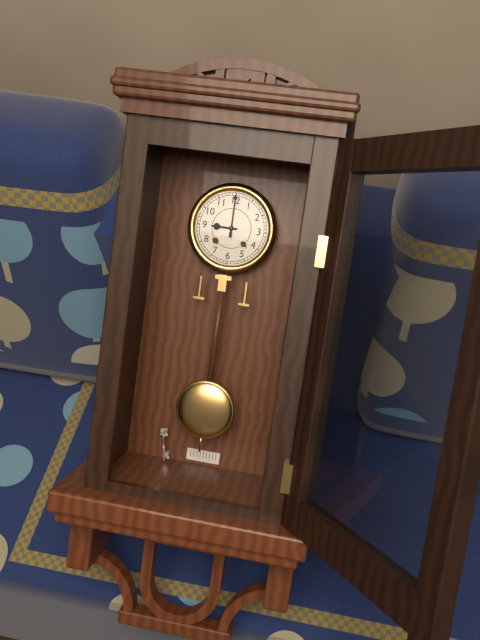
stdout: 9:00
